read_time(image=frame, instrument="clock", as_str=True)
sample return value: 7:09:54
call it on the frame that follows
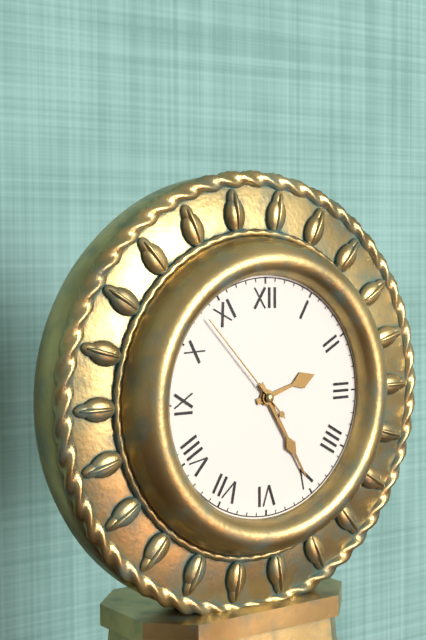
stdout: 2:25:53
